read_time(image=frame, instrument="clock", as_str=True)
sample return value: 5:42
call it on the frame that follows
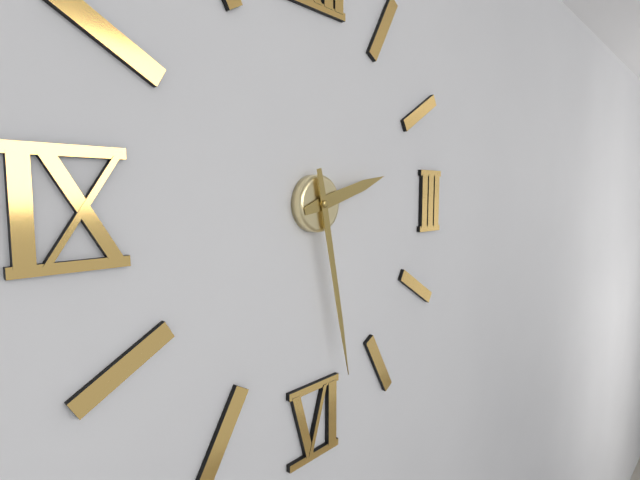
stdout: 2:28
